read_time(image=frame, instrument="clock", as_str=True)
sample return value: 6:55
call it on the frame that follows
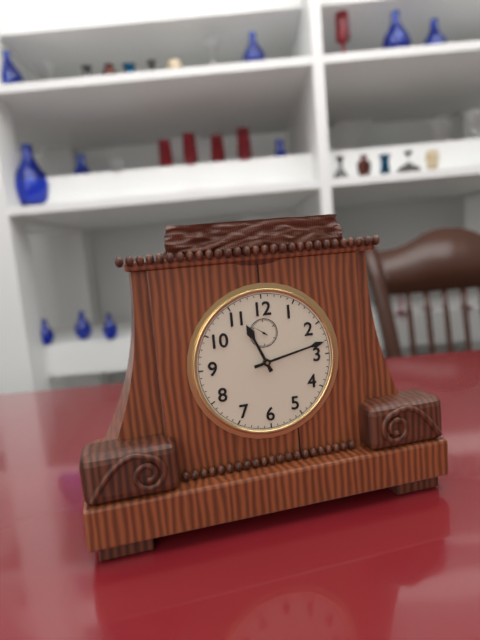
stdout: 11:13
